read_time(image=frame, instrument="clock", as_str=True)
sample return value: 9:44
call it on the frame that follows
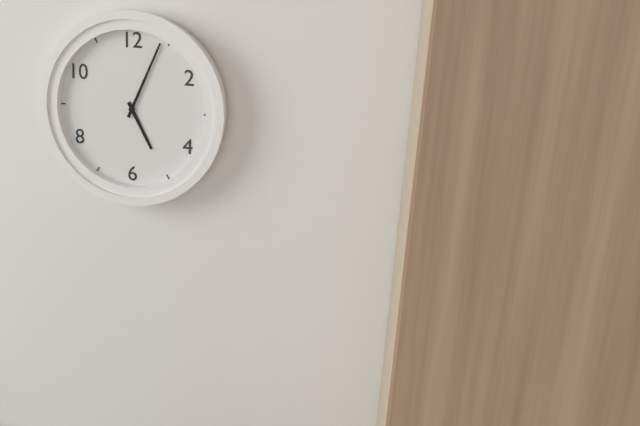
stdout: 5:04
